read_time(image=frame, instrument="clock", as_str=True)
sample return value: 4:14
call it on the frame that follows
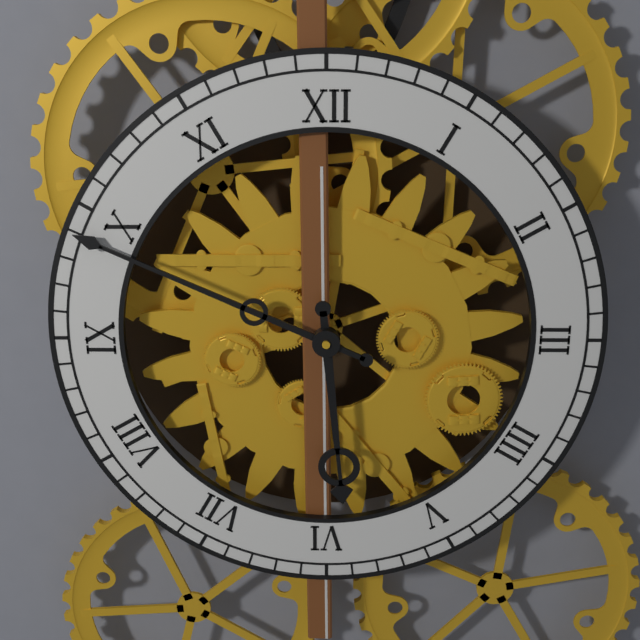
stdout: 5:49
